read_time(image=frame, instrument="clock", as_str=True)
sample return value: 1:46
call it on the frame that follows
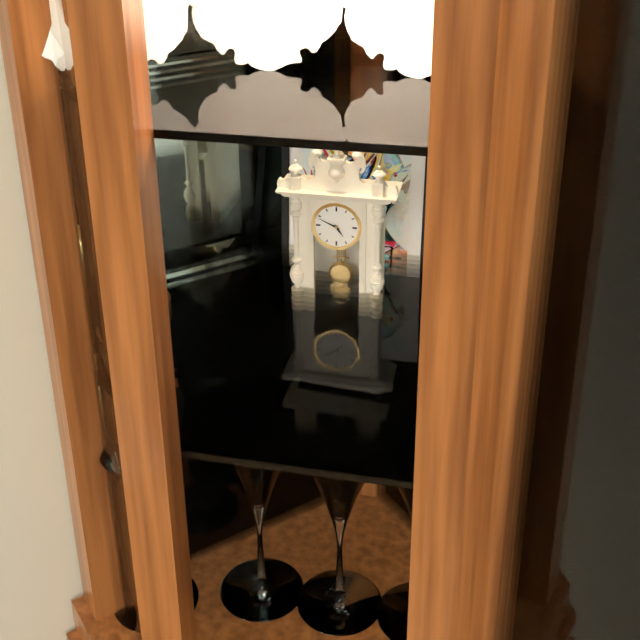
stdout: 4:49
